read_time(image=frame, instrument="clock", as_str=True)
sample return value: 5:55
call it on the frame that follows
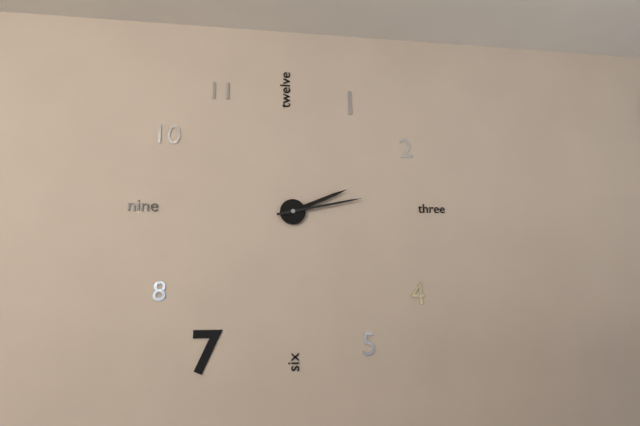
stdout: 2:13
